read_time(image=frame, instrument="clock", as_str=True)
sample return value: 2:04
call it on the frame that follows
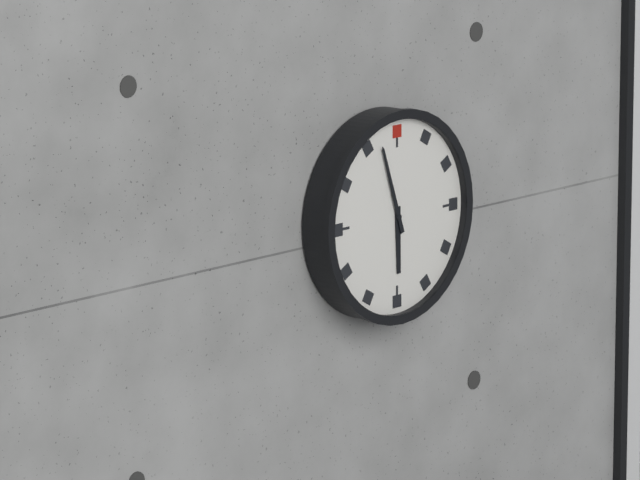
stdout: 5:57
